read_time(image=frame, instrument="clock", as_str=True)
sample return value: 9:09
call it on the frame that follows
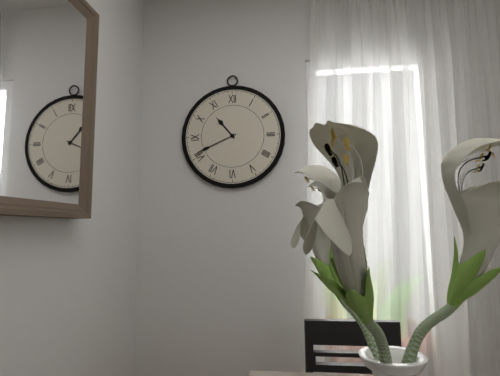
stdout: 10:41
